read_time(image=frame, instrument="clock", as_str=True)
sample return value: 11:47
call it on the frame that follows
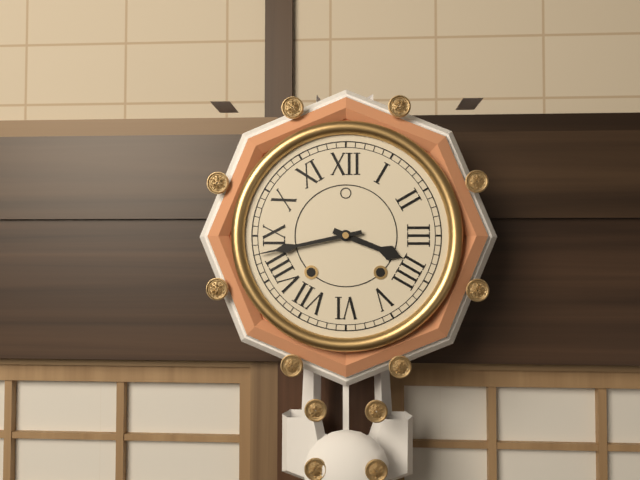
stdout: 3:43
